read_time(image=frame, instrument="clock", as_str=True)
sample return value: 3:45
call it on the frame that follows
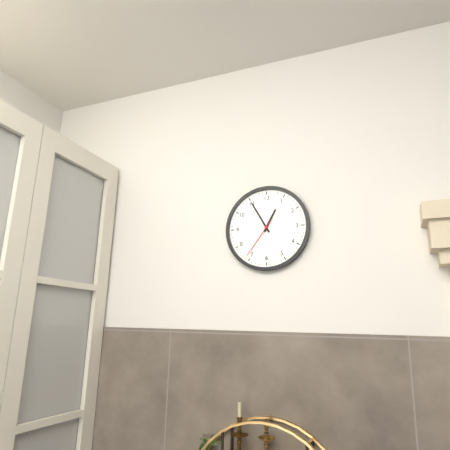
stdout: 12:55
